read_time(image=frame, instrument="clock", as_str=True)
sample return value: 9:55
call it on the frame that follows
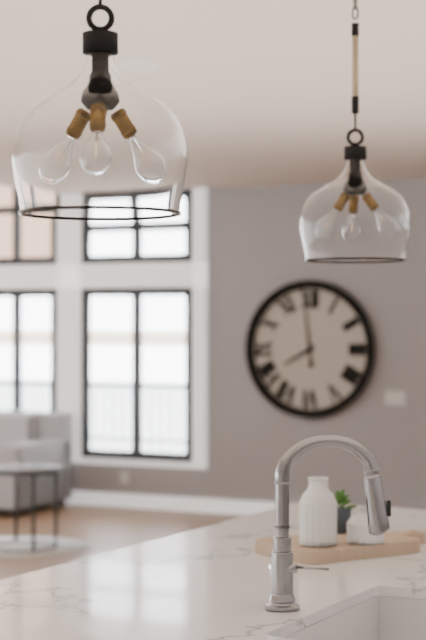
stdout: 7:59
